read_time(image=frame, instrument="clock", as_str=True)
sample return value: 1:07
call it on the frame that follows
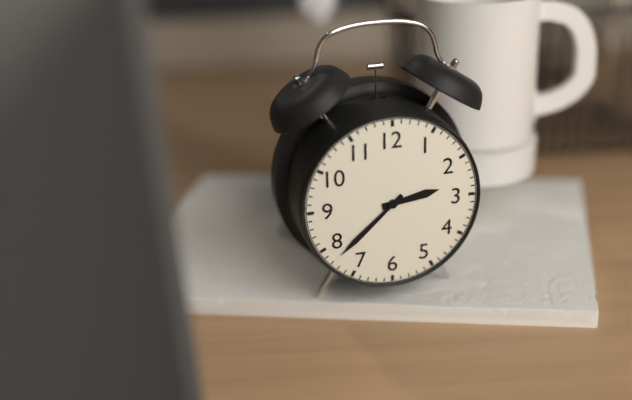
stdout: 2:38
